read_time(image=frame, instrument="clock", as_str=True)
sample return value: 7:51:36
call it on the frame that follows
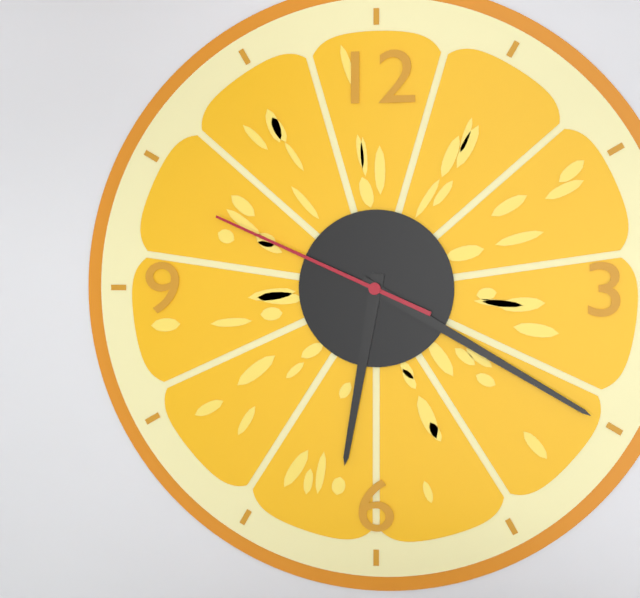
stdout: 6:20:49
